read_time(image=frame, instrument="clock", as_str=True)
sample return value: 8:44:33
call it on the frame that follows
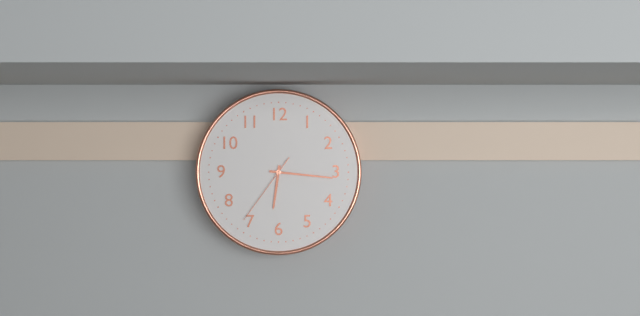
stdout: 6:16:36
